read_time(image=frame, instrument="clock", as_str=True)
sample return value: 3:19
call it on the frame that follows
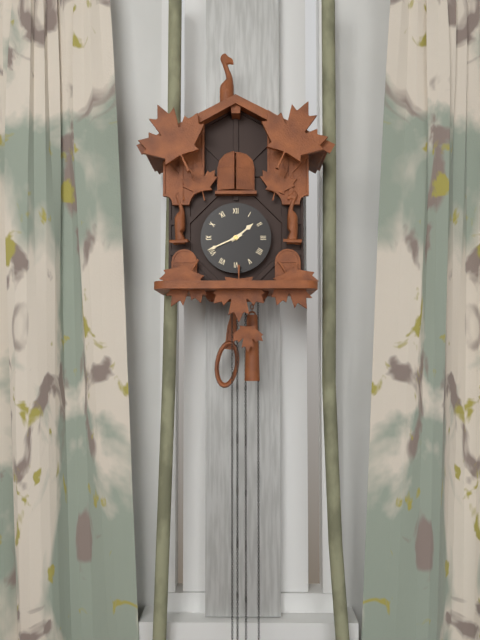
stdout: 1:41
